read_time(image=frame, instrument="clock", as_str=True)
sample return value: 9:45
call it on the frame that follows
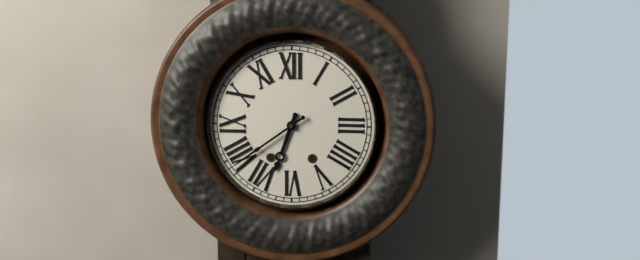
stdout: 6:39
